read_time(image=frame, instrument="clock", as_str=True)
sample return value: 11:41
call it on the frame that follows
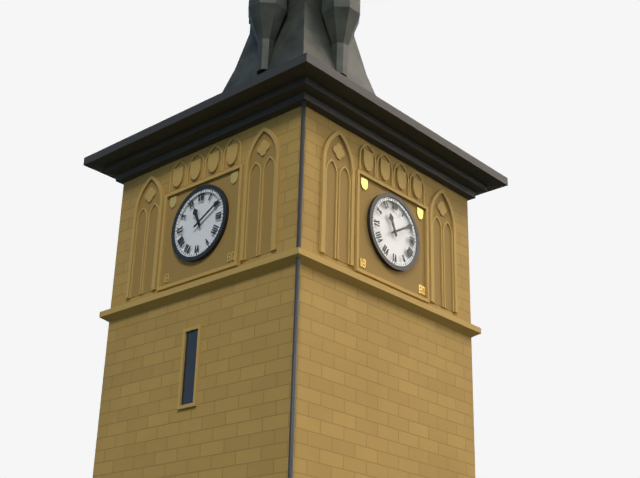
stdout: 11:10
